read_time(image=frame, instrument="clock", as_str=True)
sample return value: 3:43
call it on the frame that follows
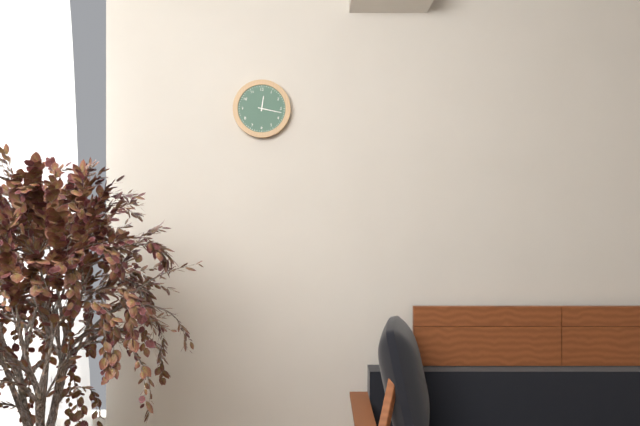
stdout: 12:17
